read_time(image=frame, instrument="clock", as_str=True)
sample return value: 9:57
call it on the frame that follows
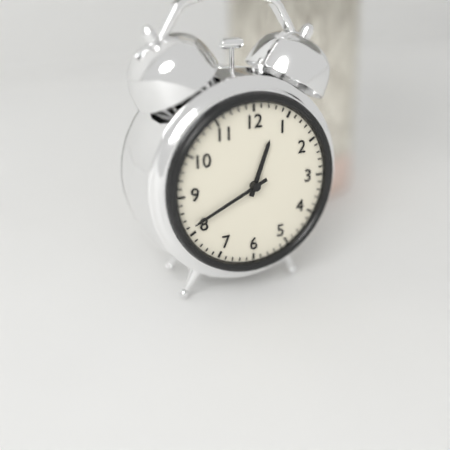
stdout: 12:41
